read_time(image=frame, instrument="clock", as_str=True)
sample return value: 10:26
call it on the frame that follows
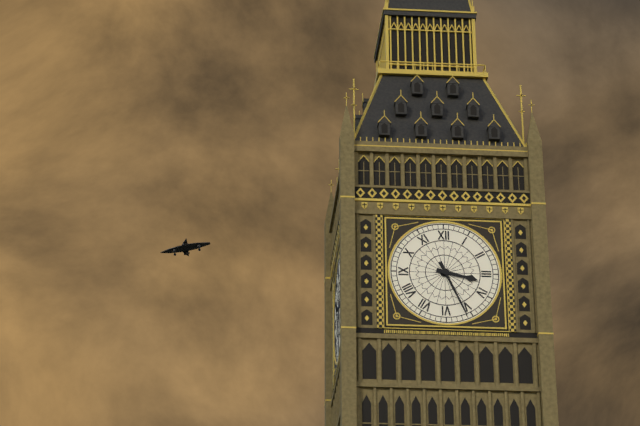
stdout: 3:26
